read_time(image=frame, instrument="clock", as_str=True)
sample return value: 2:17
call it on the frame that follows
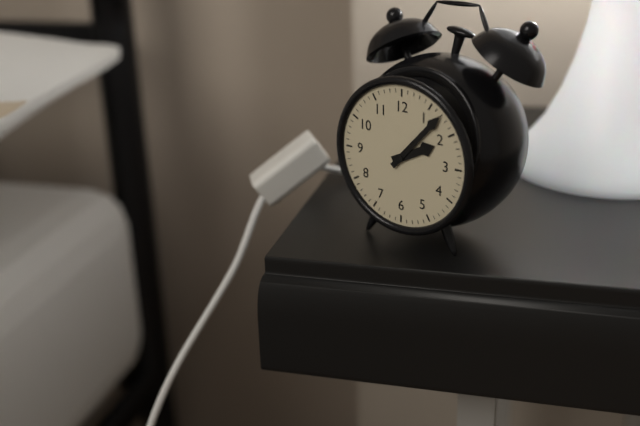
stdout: 2:07
